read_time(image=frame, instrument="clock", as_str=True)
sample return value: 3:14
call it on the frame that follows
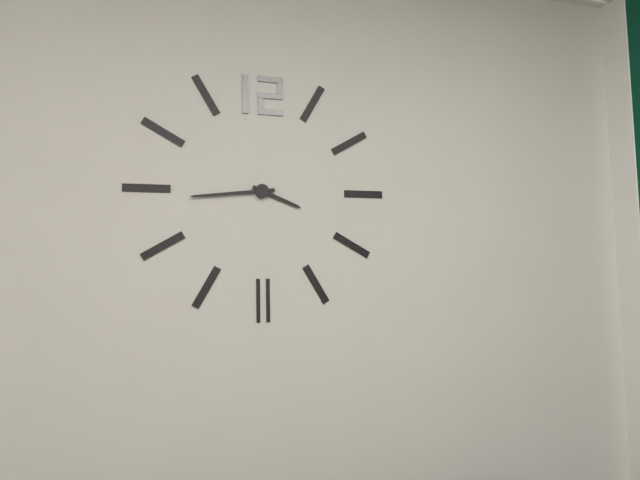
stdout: 3:44
